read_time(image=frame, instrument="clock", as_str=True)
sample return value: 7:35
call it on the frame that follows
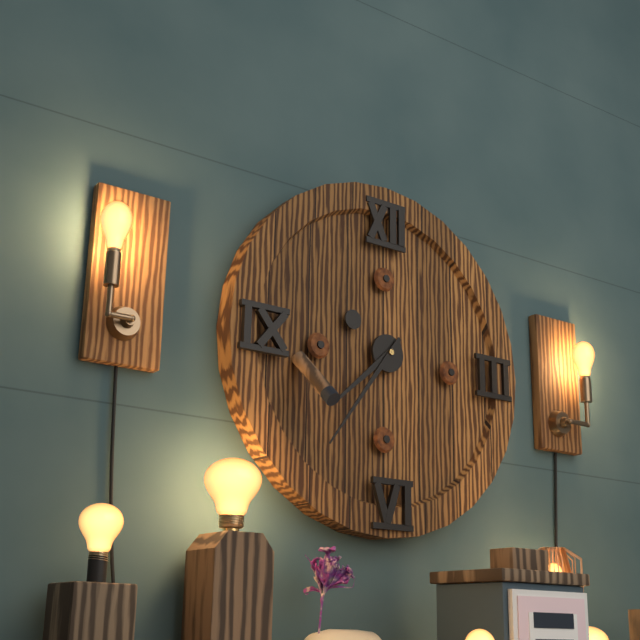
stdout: 7:36
